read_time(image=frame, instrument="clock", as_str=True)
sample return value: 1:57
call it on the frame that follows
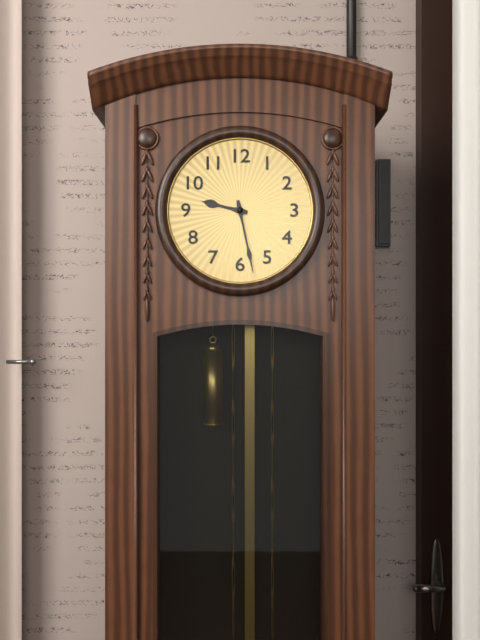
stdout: 9:28
